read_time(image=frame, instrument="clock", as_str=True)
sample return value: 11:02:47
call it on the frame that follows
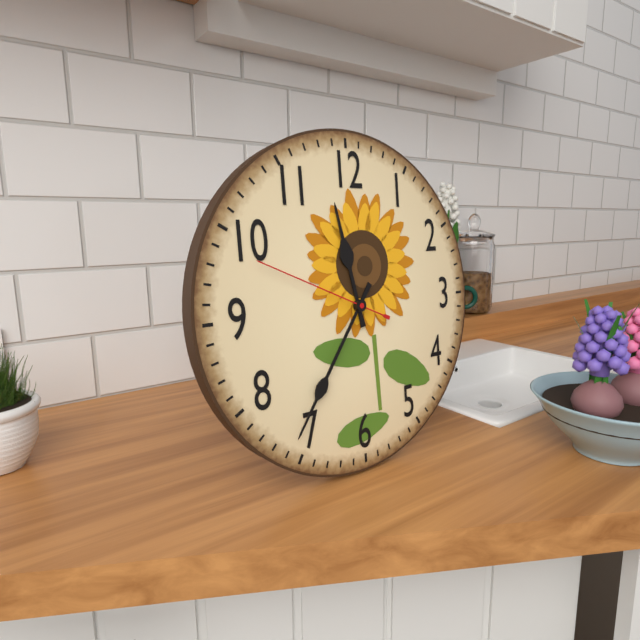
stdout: 11:36:49
